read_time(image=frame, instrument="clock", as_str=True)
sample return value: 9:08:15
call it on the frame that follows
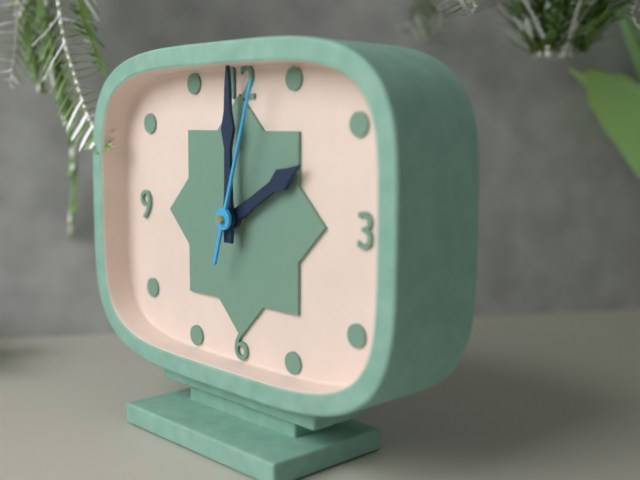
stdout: 2:00:03
